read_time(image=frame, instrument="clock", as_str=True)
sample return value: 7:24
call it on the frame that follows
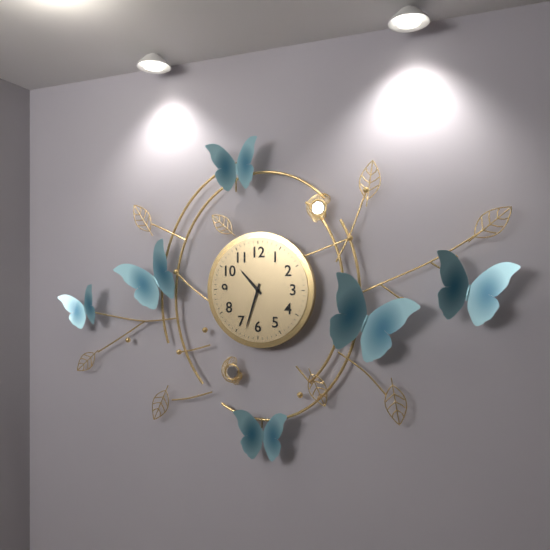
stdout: 10:33
